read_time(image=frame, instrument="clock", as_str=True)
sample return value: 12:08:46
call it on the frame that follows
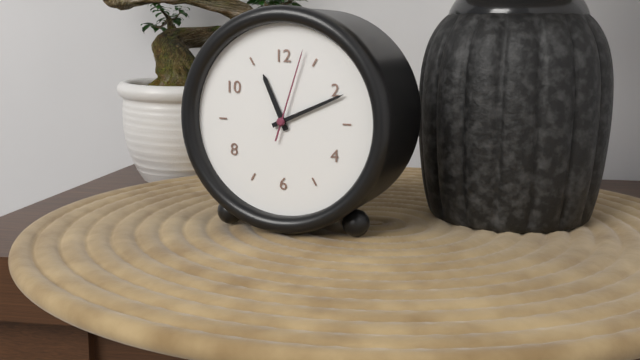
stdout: 11:11:03
